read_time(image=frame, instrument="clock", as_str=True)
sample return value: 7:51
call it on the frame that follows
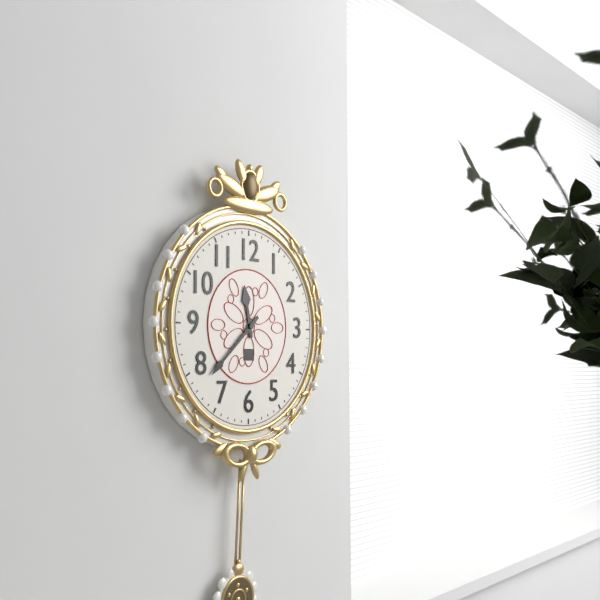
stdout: 11:38
